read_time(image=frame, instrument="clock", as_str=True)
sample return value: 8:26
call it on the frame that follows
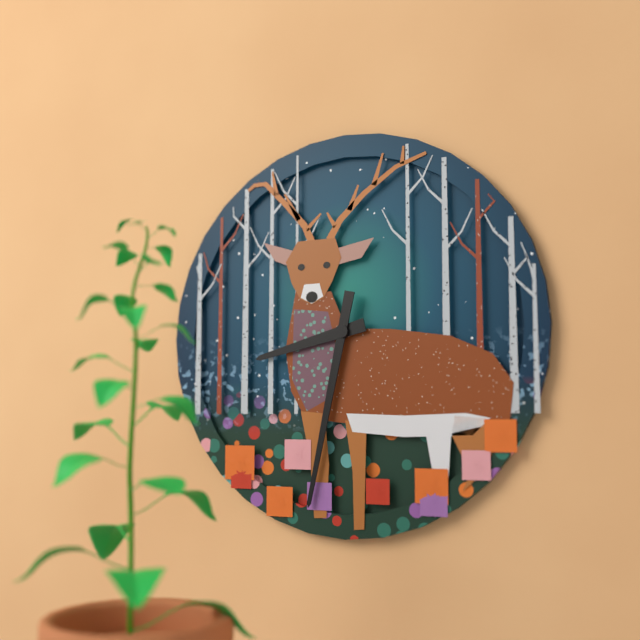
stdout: 8:32
